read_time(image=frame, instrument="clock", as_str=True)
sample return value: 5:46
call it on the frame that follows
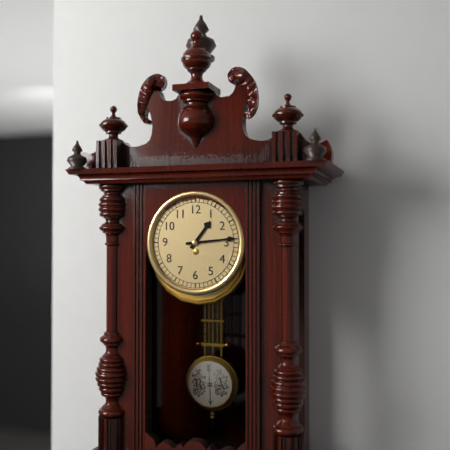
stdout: 1:14
